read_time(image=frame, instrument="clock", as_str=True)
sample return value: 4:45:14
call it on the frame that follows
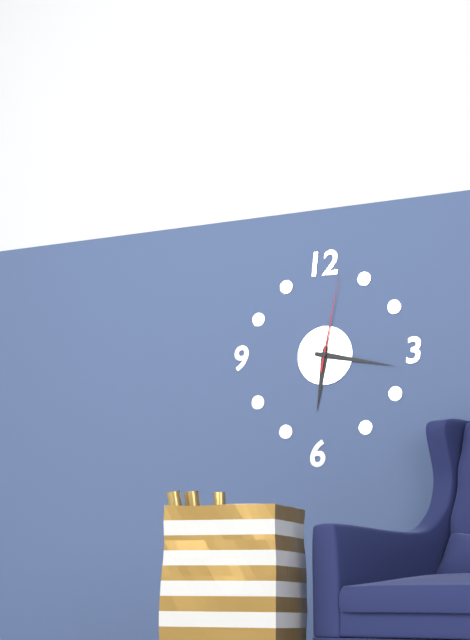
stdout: 6:17:02
